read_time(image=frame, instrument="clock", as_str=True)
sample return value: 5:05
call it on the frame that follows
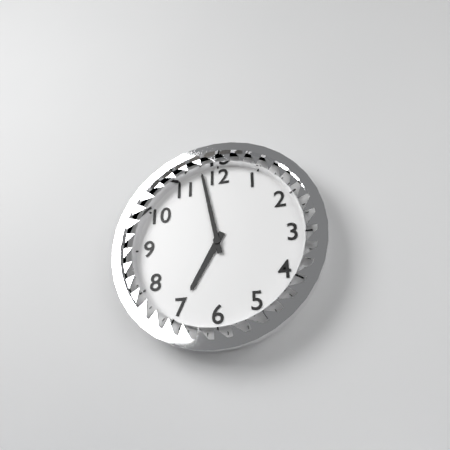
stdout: 6:58
